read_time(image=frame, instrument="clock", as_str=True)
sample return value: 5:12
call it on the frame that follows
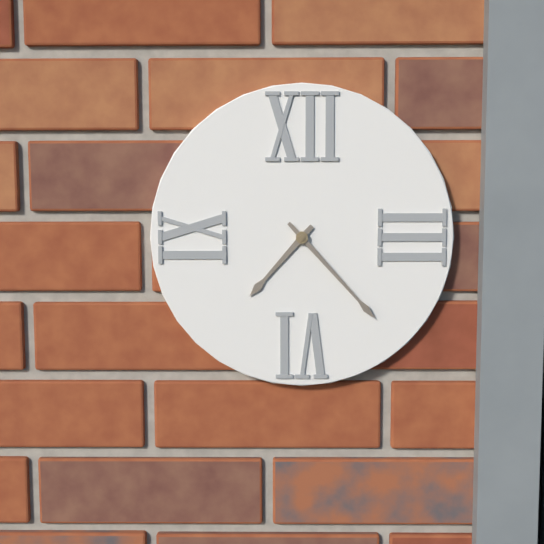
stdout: 7:23
